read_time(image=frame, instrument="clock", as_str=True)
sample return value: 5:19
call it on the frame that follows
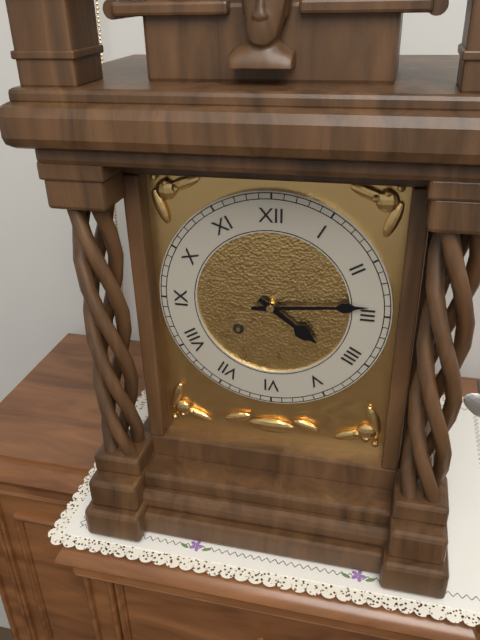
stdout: 4:14
